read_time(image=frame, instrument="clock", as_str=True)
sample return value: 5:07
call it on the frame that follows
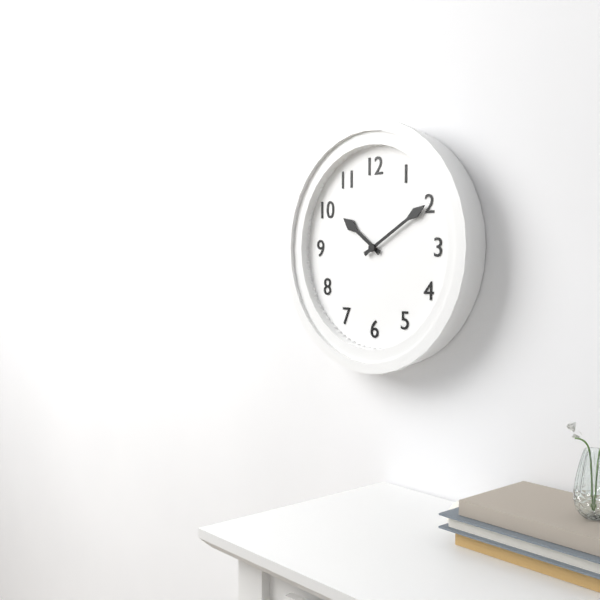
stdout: 10:10
